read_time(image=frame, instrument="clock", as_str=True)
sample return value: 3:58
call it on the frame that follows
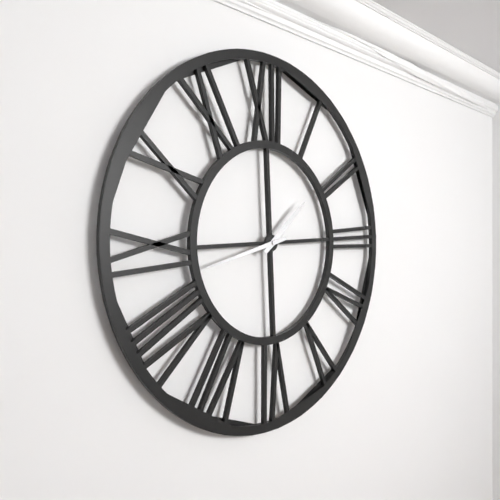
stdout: 1:43
